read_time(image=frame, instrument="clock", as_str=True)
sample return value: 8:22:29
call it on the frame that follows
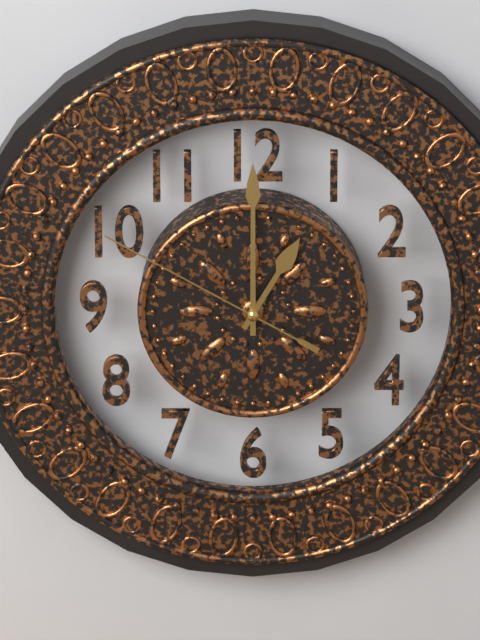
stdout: 1:00:50
